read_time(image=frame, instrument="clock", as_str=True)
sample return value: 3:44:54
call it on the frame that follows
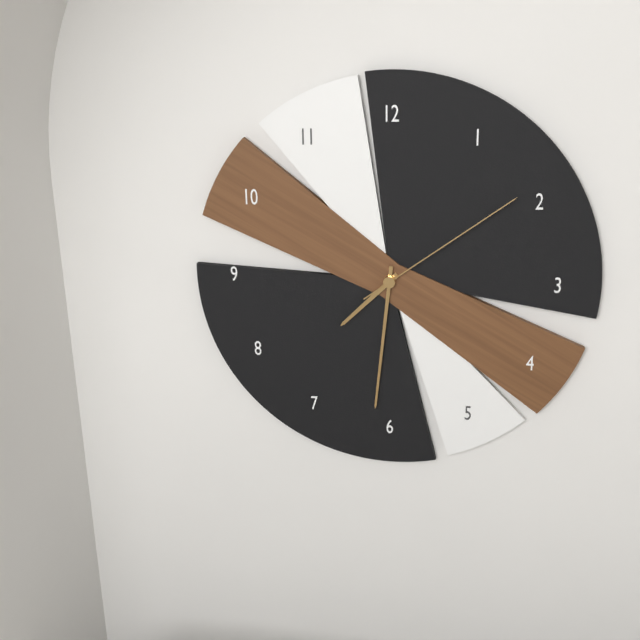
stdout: 7:31:09
